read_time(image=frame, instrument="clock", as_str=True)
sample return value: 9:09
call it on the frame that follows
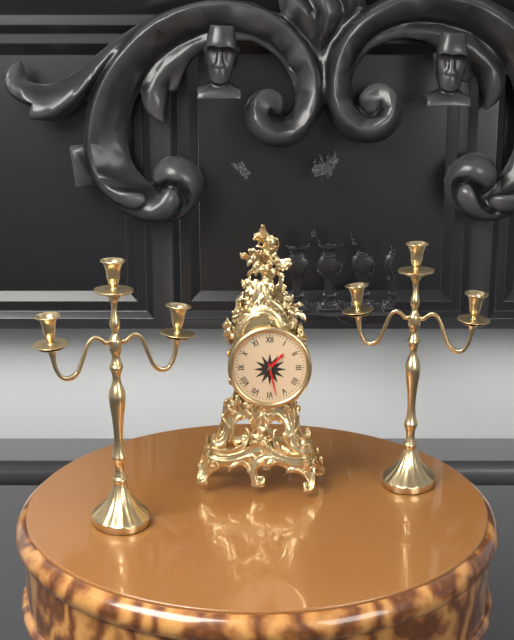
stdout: 1:28
